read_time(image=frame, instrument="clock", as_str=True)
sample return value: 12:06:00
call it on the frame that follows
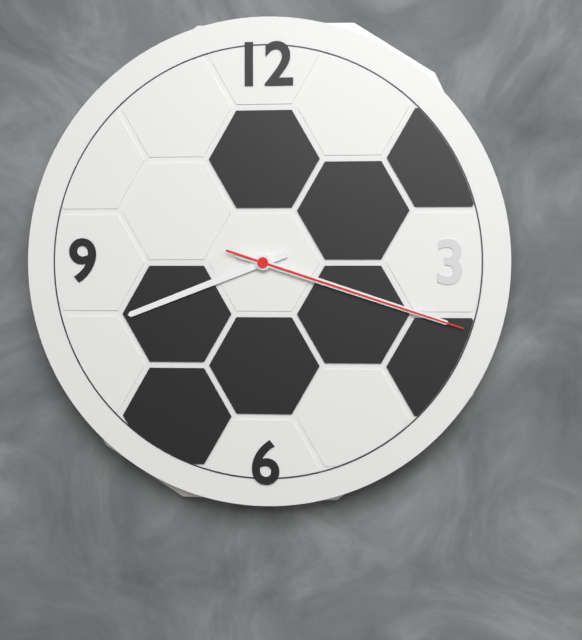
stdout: 8:18:18
